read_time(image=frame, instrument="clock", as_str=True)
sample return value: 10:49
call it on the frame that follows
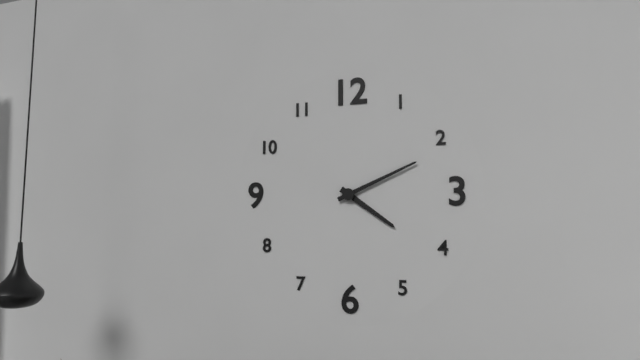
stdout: 4:11
